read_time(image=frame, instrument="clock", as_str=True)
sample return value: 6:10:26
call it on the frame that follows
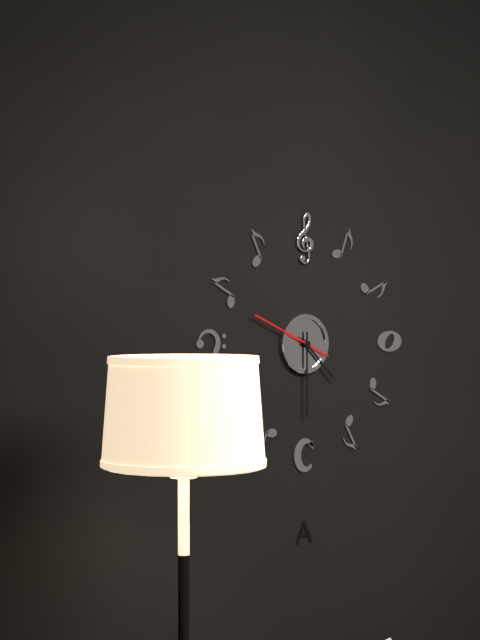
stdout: 4:30:49
